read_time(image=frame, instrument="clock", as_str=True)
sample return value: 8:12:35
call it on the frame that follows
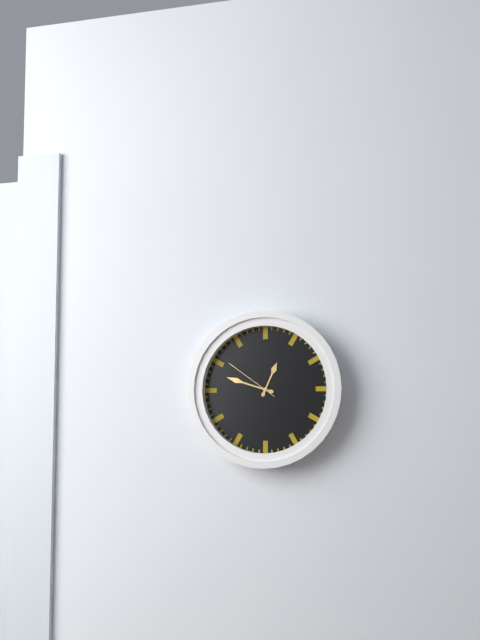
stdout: 12:48:51
